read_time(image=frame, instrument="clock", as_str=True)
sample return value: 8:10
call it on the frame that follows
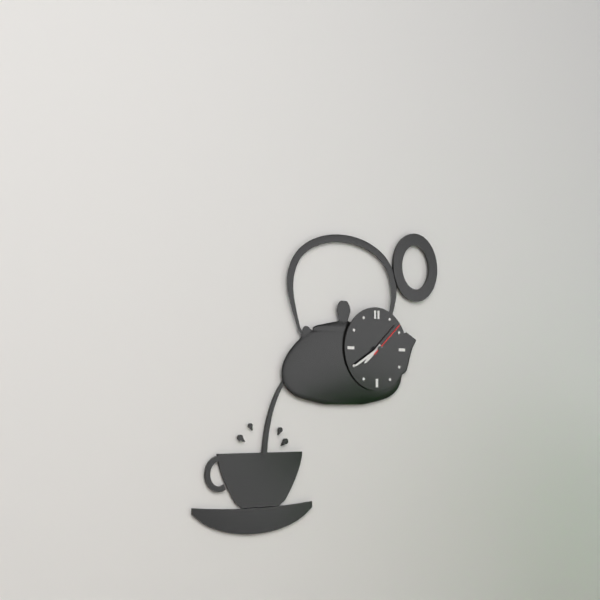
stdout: 7:40
